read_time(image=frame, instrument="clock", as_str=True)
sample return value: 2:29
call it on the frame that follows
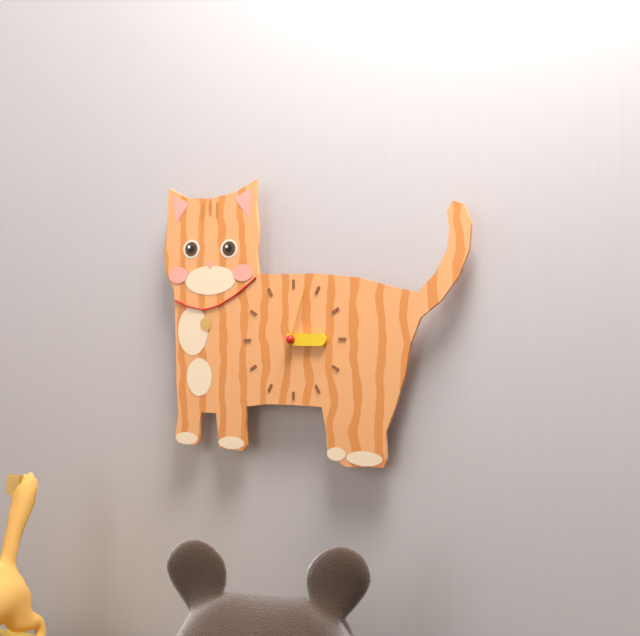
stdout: 3:03
